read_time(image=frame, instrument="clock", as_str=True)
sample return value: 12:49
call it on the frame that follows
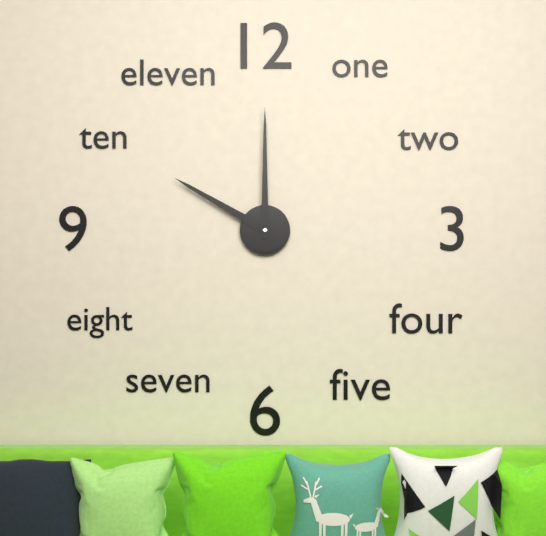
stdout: 10:00
